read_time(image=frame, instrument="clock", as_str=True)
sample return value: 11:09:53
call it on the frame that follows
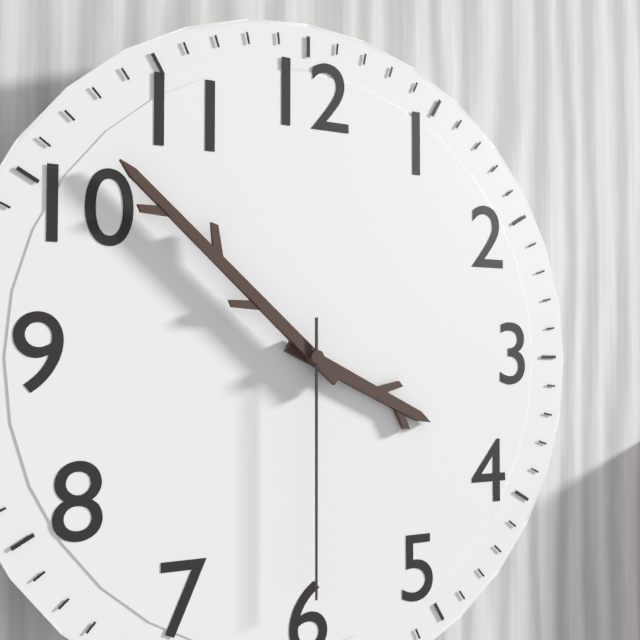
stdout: 3:52:30
